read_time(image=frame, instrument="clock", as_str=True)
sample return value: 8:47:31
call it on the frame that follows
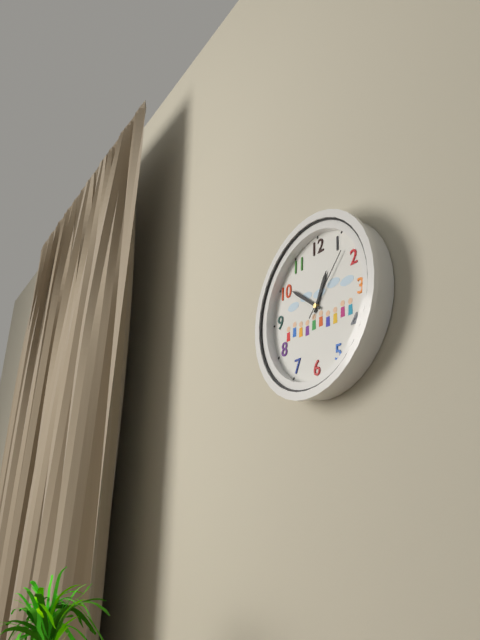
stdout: 12:51:07
